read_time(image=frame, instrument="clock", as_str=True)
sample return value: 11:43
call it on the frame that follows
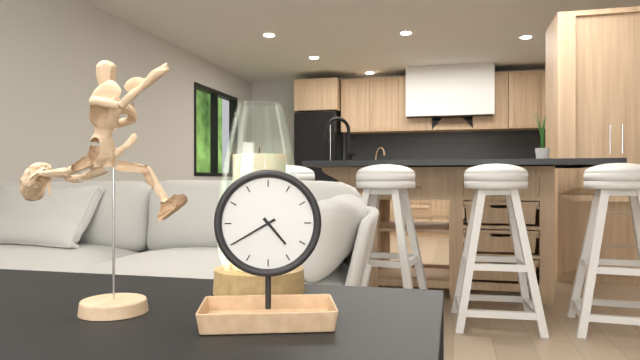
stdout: 4:40
